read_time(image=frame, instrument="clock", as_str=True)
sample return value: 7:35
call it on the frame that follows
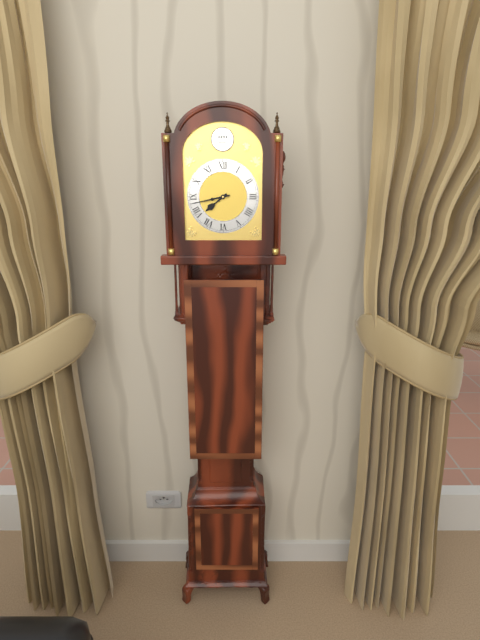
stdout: 7:43
